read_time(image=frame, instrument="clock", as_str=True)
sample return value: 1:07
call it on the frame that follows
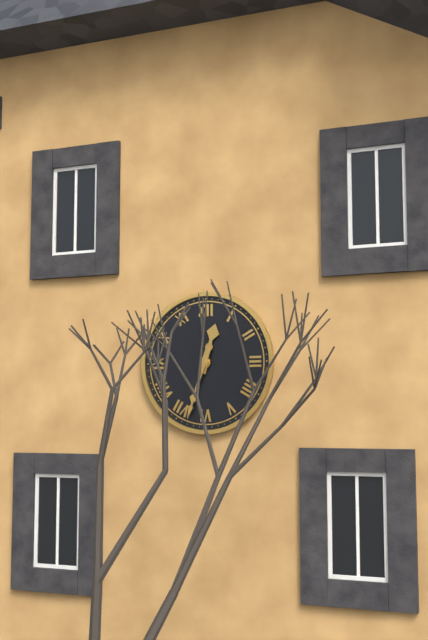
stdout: 12:33
